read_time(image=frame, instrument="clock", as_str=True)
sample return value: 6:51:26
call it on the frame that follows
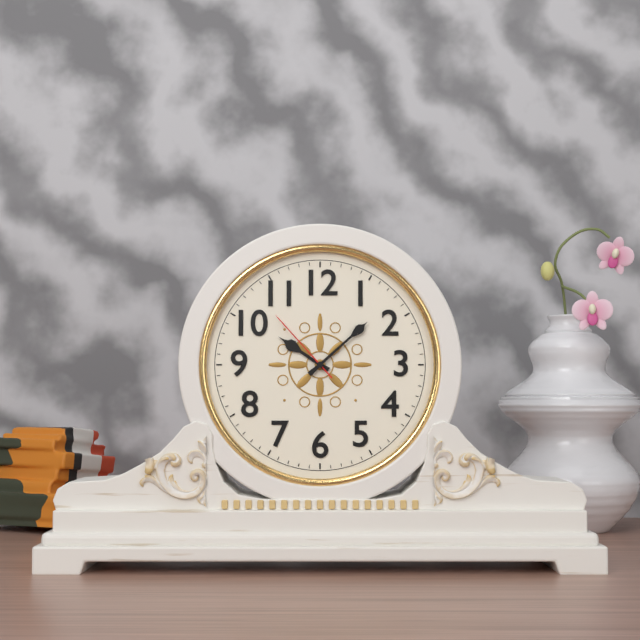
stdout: 10:08:53
